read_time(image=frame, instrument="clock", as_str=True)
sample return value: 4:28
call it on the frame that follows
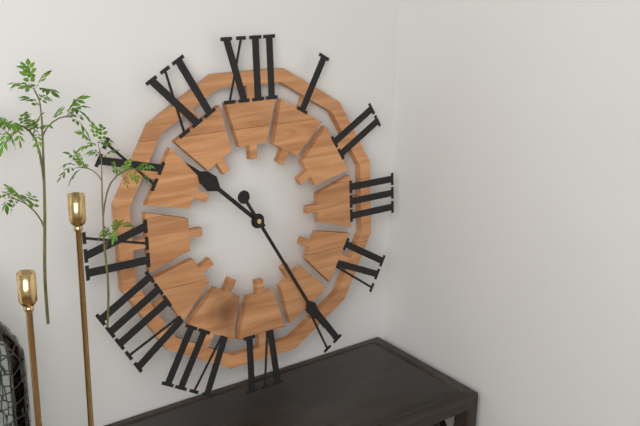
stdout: 10:25
